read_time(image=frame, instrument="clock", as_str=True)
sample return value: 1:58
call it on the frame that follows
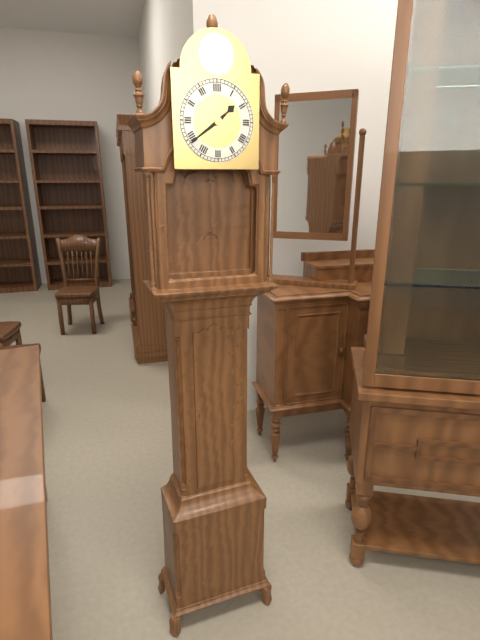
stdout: 1:39
